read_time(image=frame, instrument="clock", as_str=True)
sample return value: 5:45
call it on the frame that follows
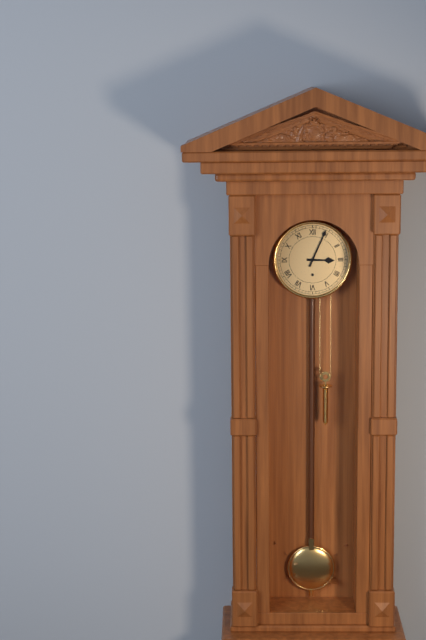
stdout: 3:04
